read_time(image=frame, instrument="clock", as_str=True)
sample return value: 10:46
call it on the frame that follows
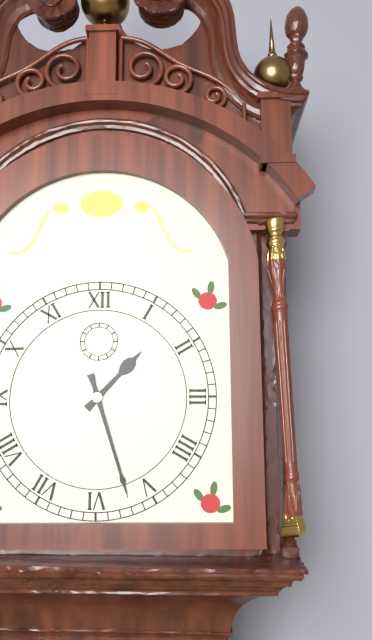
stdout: 1:27
